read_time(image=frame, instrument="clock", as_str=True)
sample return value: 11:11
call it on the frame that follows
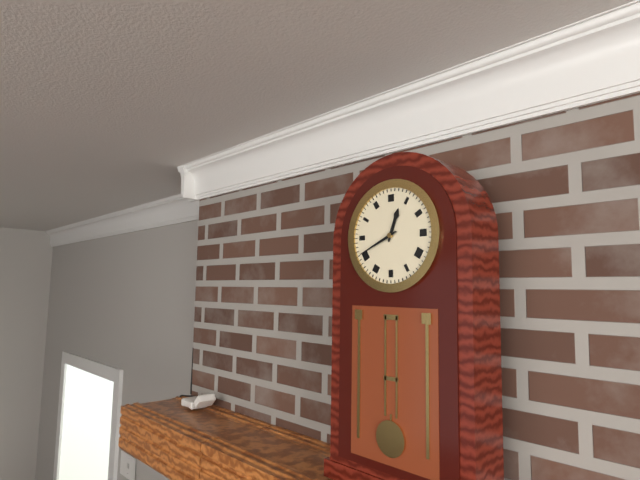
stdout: 12:41
